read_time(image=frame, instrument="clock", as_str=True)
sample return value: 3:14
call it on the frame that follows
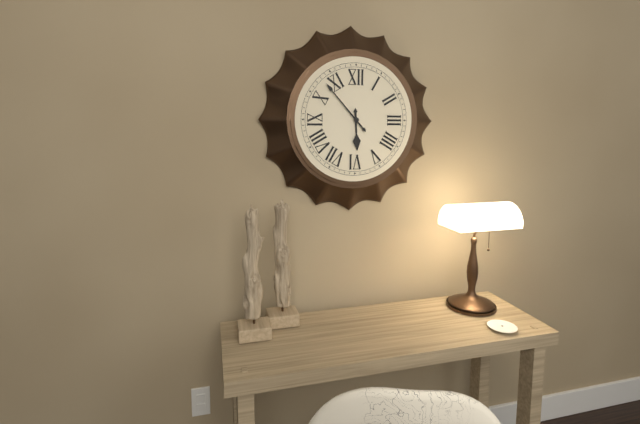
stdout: 5:53
